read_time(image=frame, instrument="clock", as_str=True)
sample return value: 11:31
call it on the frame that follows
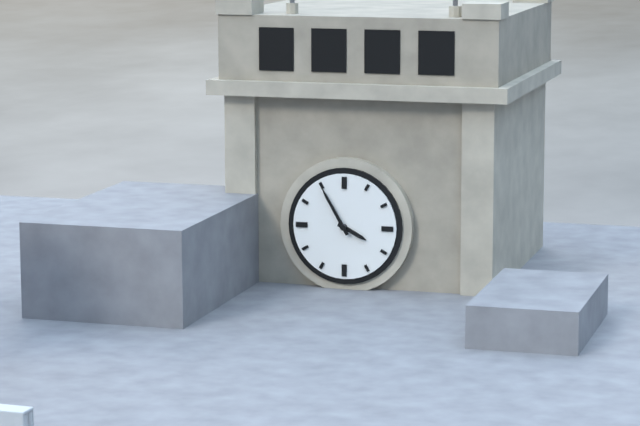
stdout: 3:55
